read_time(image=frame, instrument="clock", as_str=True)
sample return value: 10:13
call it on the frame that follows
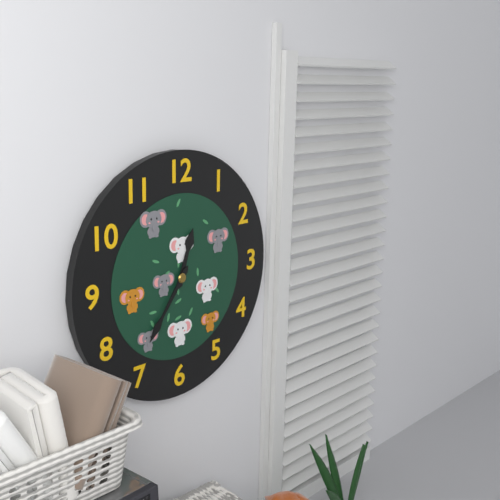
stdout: 12:36
